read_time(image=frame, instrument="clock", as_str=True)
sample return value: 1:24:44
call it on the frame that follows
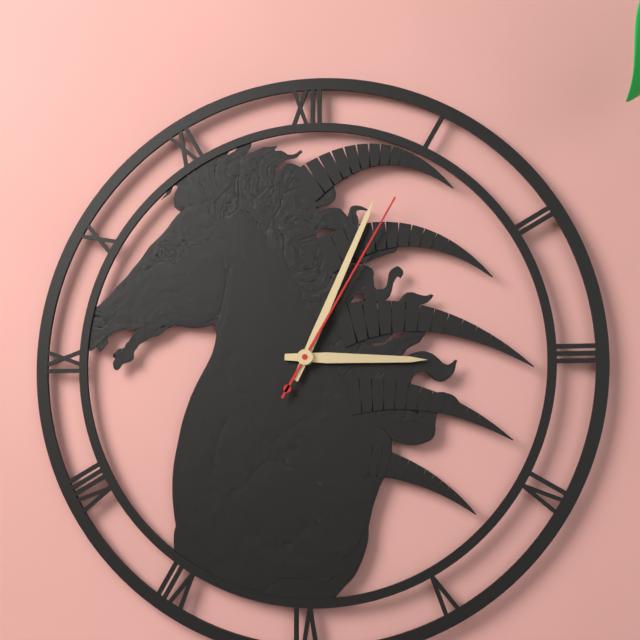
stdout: 3:04:05
